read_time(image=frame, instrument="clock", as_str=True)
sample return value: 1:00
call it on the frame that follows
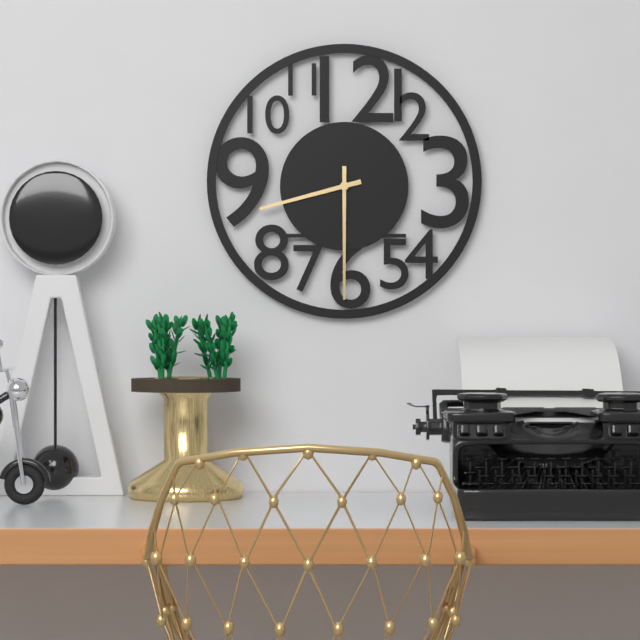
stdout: 8:30
